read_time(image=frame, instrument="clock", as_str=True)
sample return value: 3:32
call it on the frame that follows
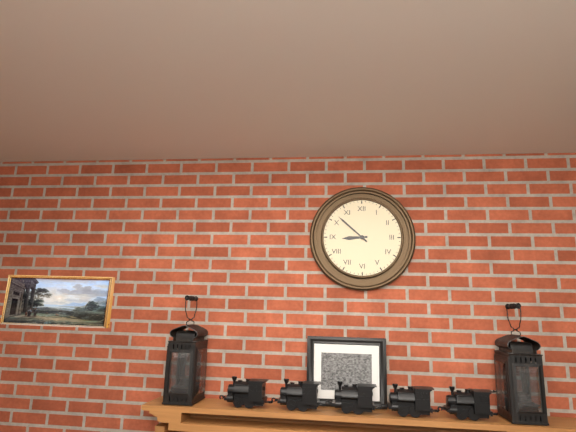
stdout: 8:52
